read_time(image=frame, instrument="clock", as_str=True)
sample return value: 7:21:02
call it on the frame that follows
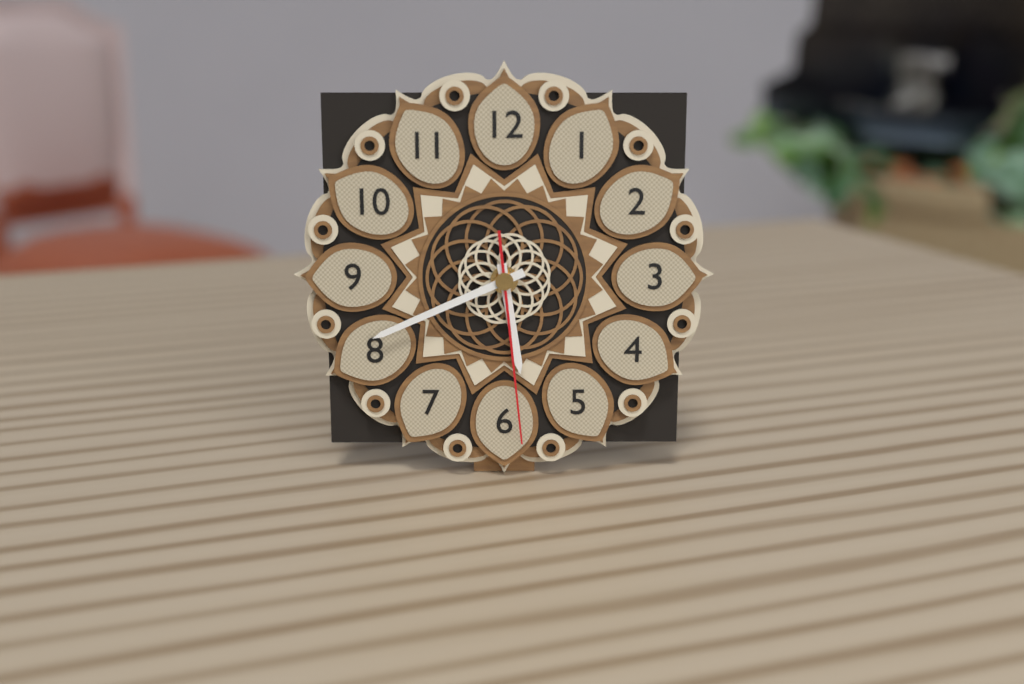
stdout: 5:41:29
